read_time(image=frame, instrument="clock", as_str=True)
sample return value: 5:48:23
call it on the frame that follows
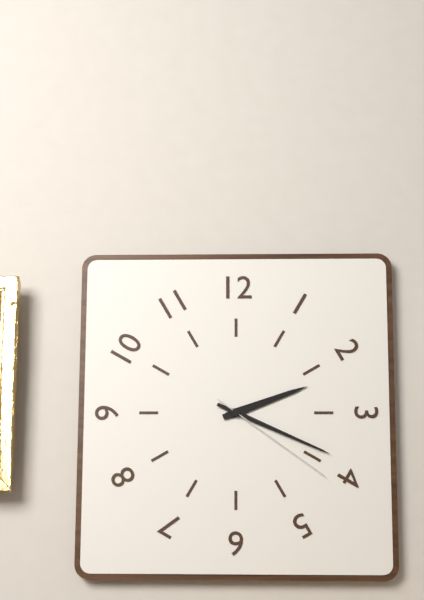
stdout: 2:19:21
